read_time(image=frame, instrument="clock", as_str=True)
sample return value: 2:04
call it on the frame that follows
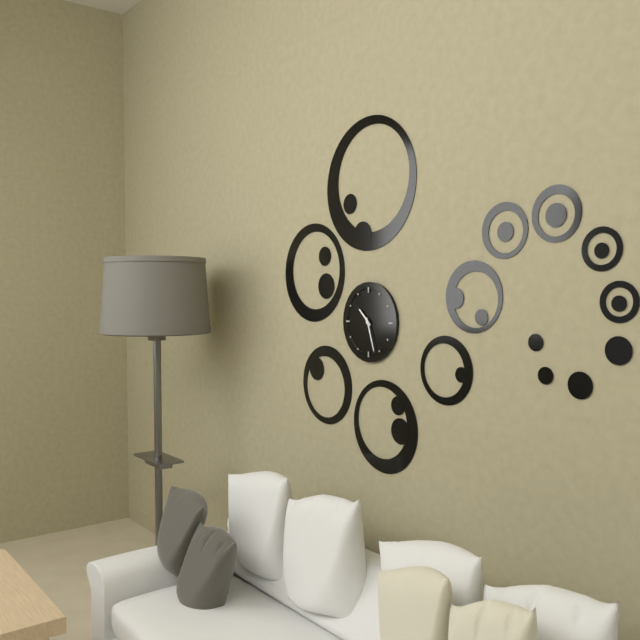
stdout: 10:27
